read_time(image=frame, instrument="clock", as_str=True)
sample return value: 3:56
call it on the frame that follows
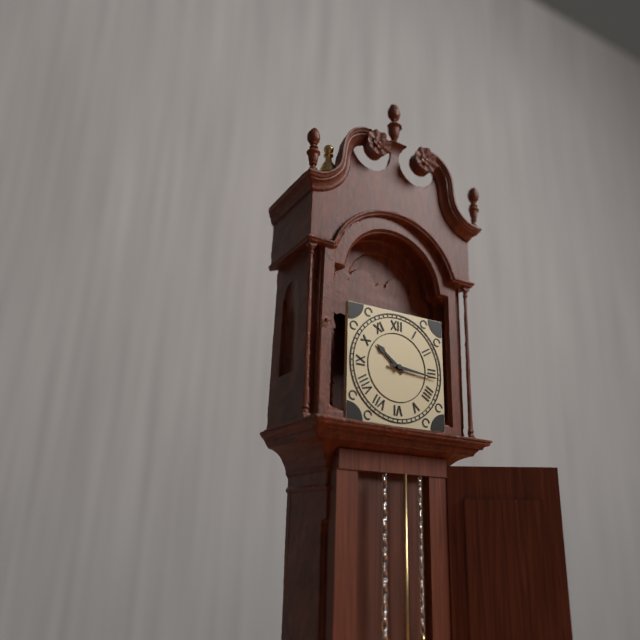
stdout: 10:16
